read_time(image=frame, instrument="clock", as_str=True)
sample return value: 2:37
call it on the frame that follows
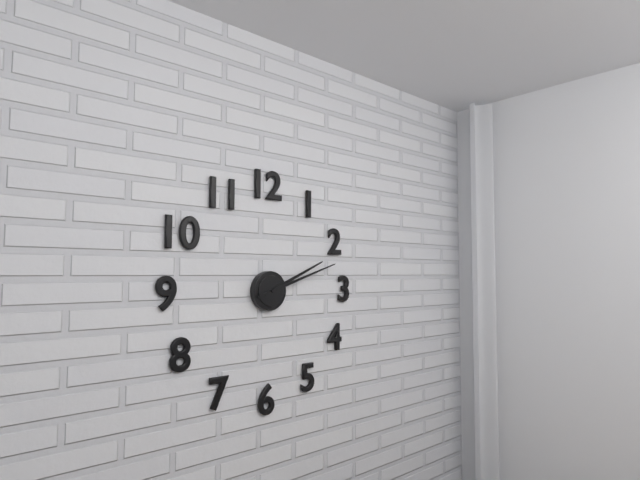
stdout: 2:12
